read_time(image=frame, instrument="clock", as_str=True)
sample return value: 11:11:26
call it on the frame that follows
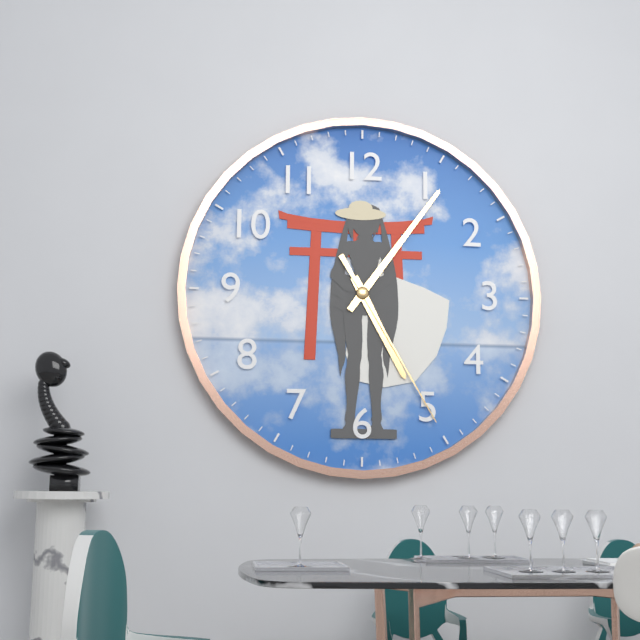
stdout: 5:06:25
